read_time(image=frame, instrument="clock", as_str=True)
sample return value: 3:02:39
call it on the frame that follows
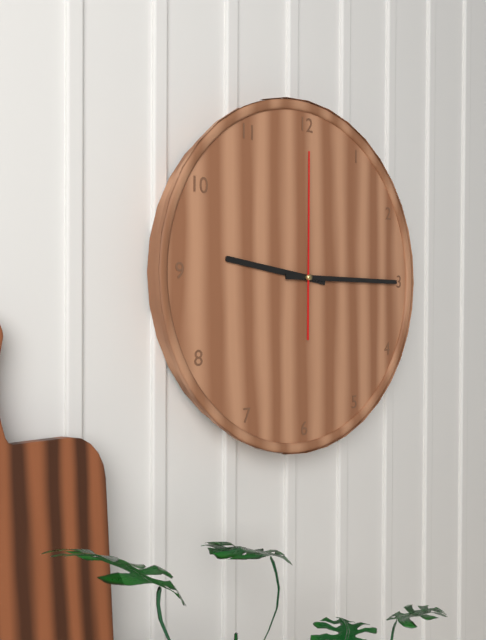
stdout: 9:15:00
